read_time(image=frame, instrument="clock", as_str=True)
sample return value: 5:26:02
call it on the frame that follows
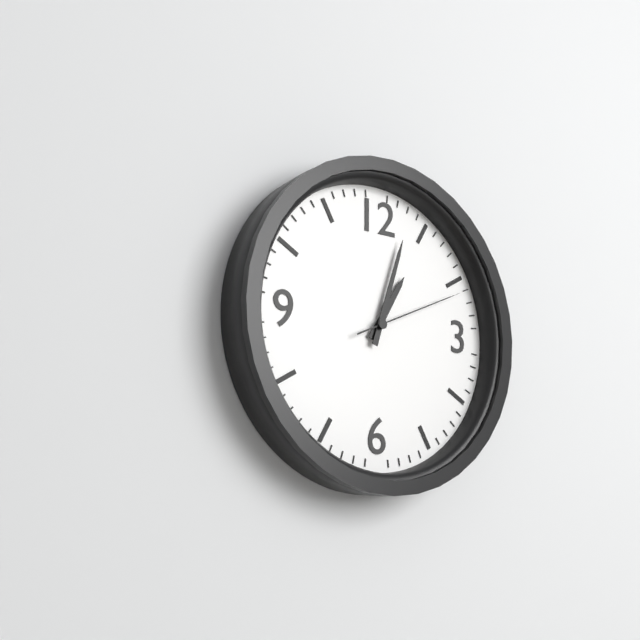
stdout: 1:03:11
